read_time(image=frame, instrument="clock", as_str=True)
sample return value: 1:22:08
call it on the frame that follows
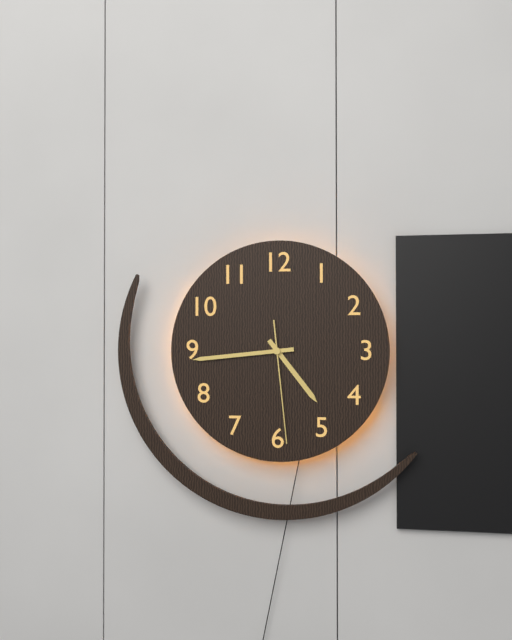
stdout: 4:44:29
